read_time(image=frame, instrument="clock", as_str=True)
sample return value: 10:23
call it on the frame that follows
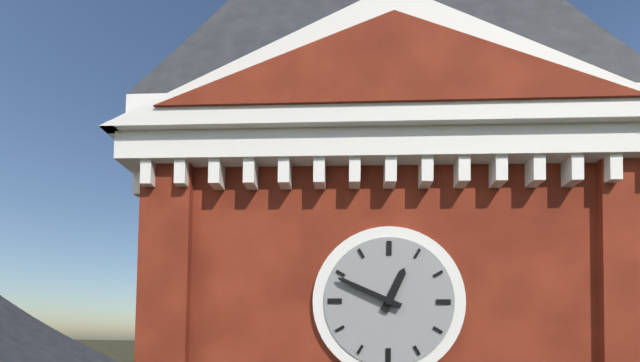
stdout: 12:49
